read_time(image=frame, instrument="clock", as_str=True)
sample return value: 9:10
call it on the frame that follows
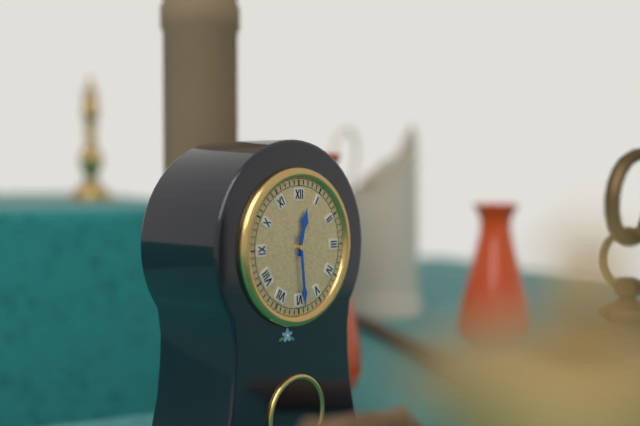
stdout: 12:29
